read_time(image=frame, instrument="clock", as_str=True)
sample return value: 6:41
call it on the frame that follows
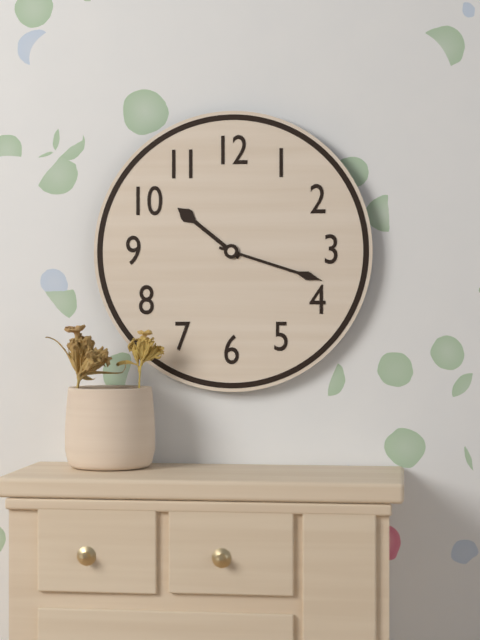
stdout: 10:18
